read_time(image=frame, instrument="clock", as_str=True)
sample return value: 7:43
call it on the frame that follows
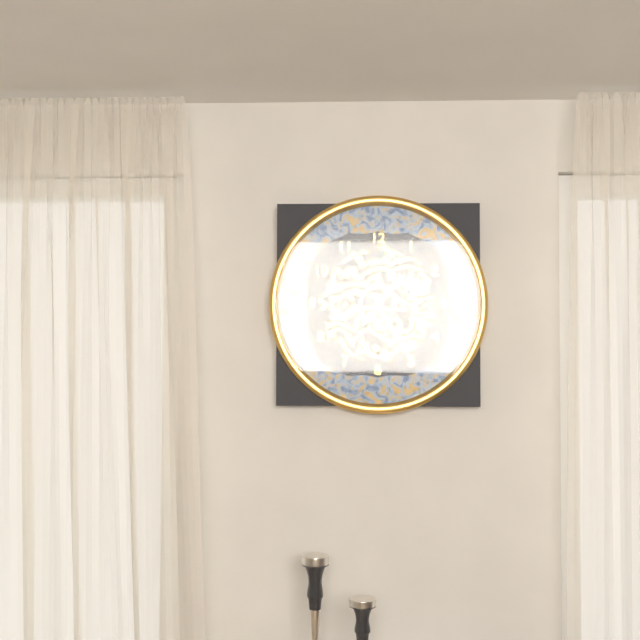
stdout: 1:25
